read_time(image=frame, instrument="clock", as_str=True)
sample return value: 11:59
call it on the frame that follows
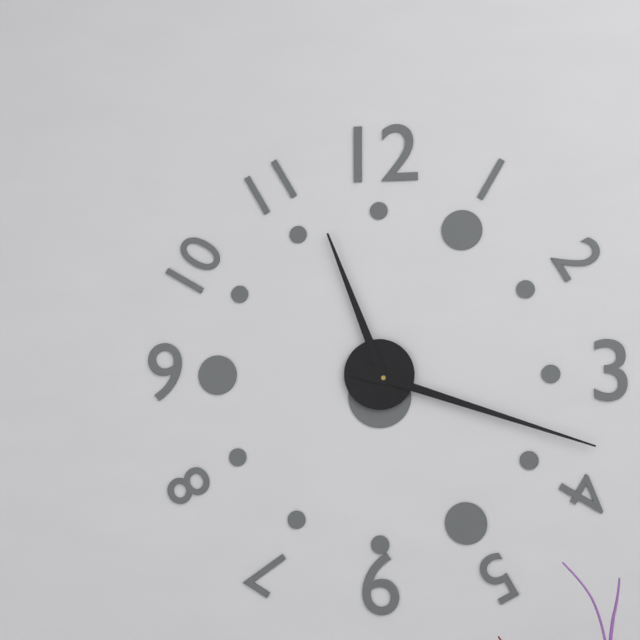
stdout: 11:18
